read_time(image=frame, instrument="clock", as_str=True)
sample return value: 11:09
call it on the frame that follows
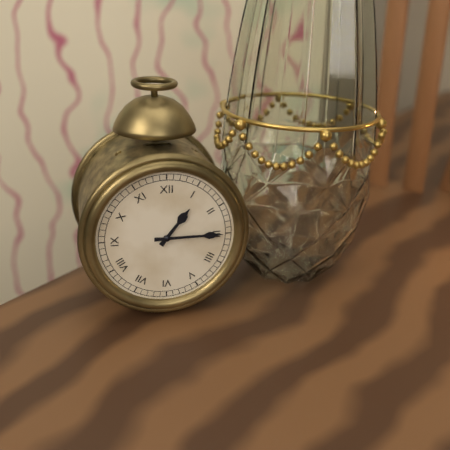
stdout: 1:15
